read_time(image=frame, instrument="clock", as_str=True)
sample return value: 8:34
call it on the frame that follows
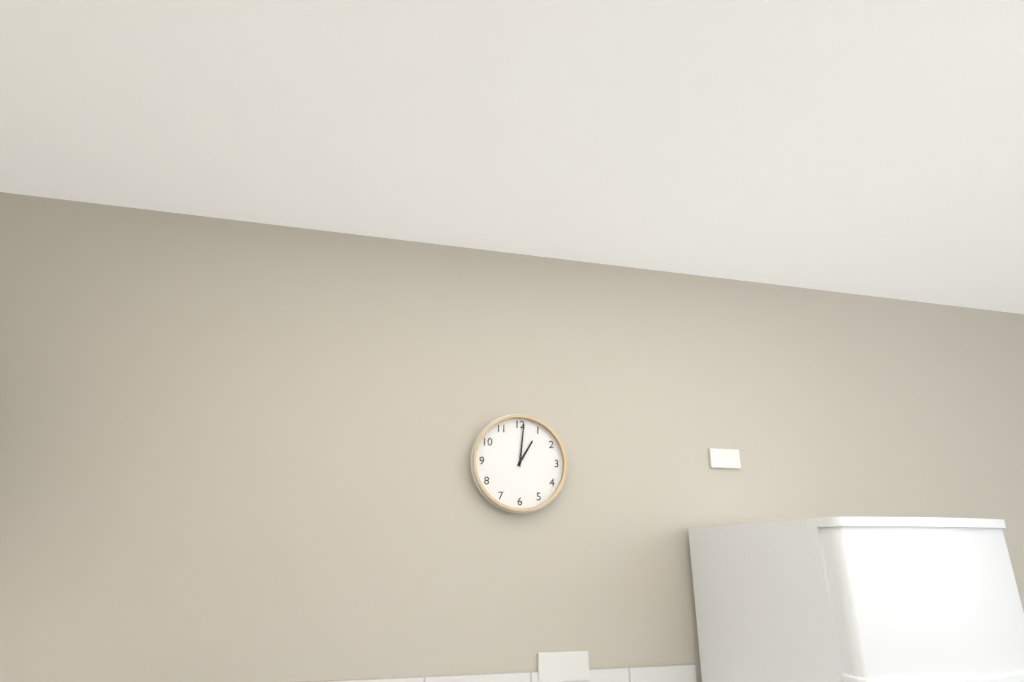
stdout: 1:01
